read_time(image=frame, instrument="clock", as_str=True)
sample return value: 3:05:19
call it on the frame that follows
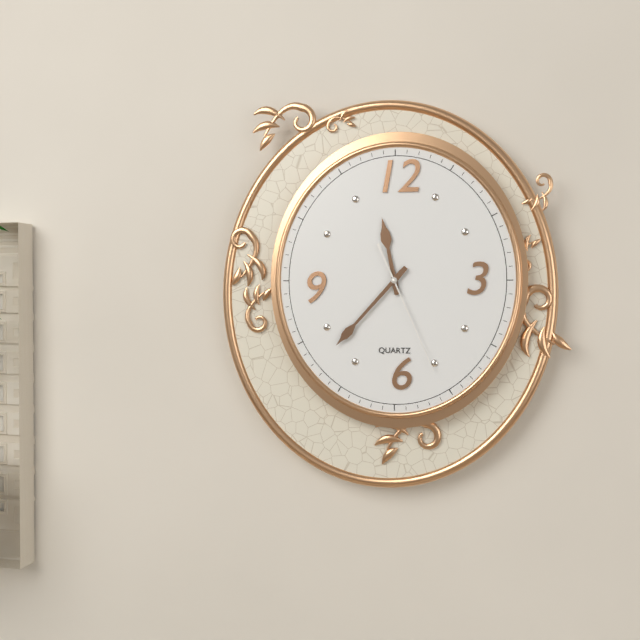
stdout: 11:37:26
